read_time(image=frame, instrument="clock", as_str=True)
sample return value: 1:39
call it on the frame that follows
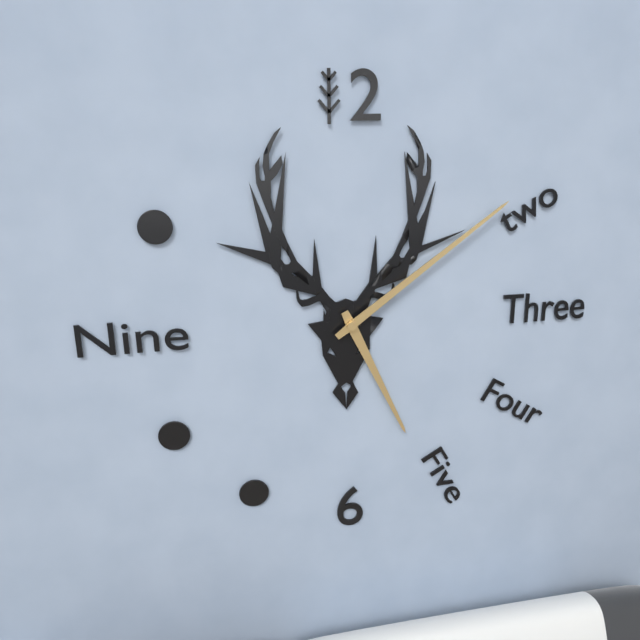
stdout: 5:09
